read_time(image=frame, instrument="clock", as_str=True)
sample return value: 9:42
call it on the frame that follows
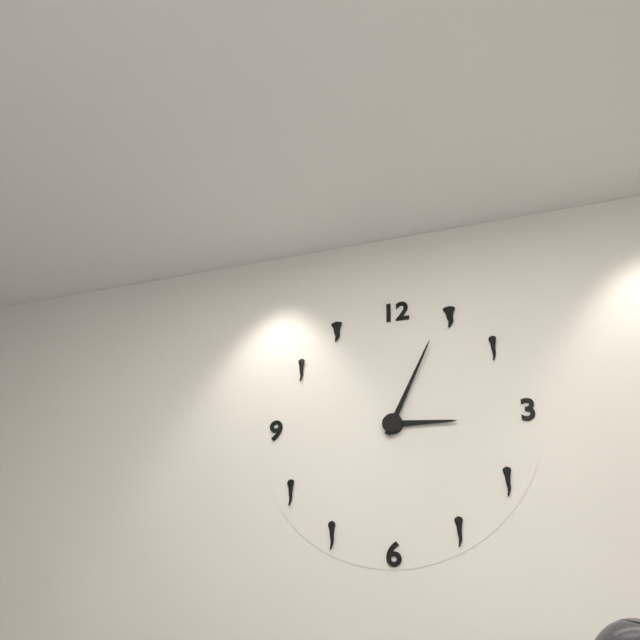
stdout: 3:04
